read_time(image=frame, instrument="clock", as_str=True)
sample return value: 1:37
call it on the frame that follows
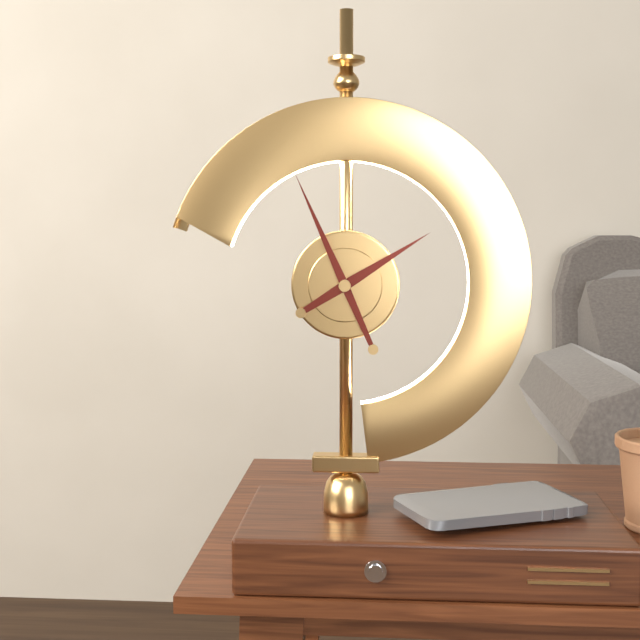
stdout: 1:56
